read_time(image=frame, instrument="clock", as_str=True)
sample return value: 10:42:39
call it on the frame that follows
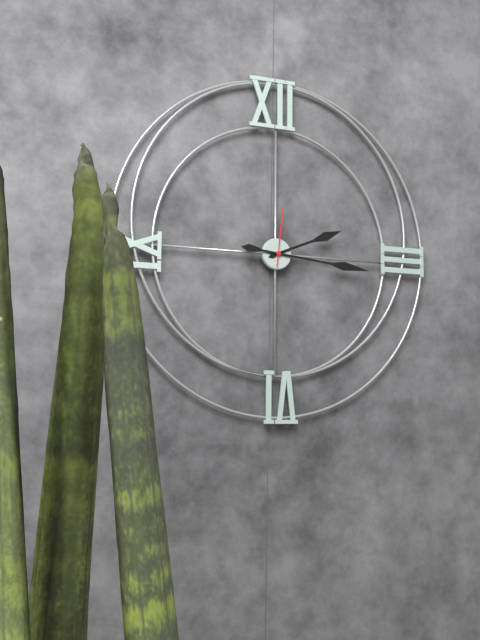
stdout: 2:16:01
